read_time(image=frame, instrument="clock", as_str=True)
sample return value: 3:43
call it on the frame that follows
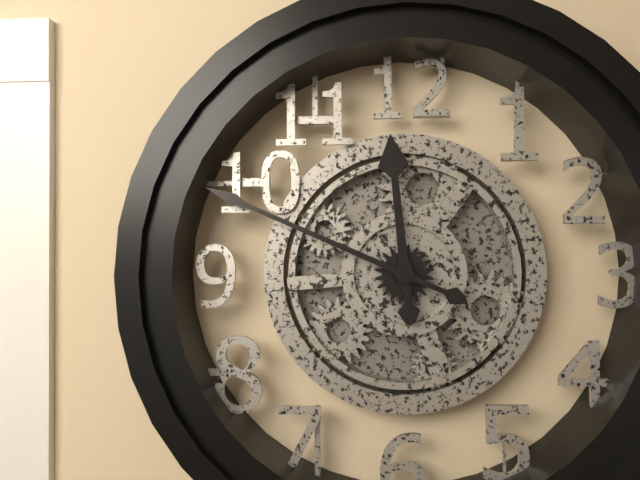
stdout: 11:49
